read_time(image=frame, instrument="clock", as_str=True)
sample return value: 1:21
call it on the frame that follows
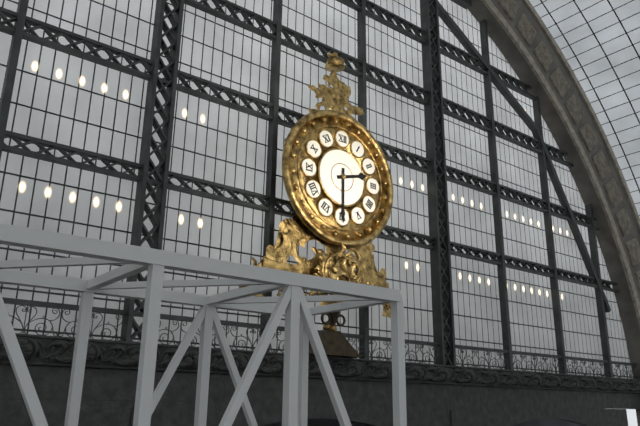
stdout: 2:30
